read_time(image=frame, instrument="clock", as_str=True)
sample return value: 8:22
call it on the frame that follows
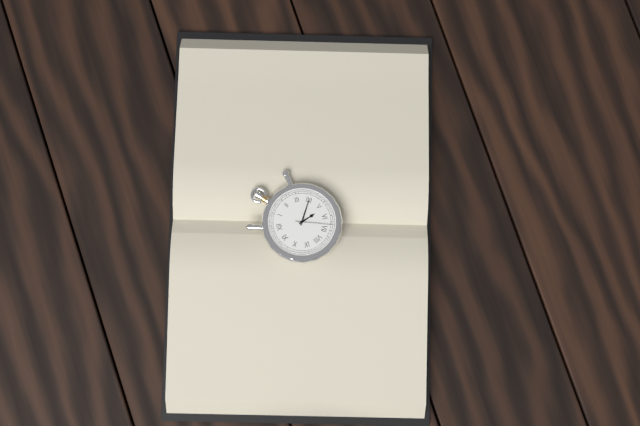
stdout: 5:20
